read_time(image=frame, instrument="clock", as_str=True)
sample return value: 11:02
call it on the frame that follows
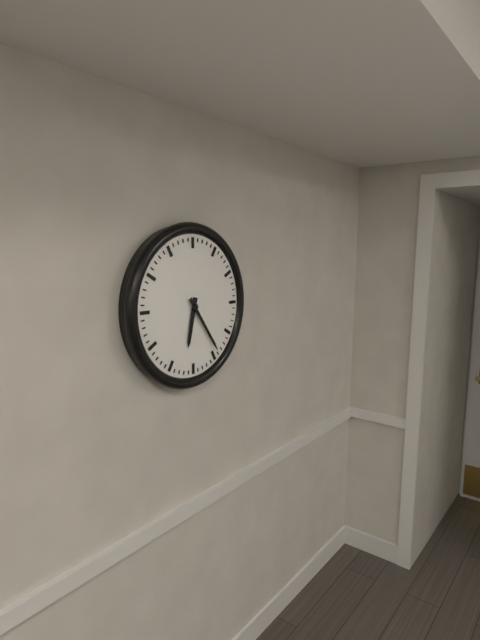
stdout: 6:24
